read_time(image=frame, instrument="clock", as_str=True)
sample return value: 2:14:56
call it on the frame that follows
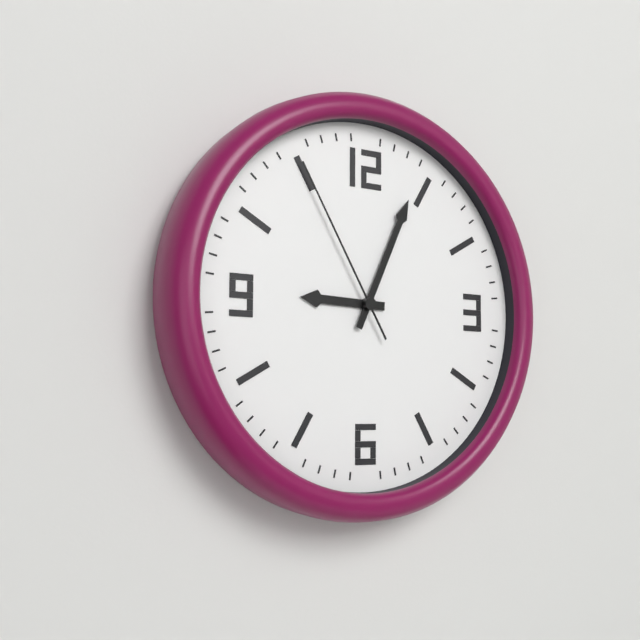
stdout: 9:04:55
